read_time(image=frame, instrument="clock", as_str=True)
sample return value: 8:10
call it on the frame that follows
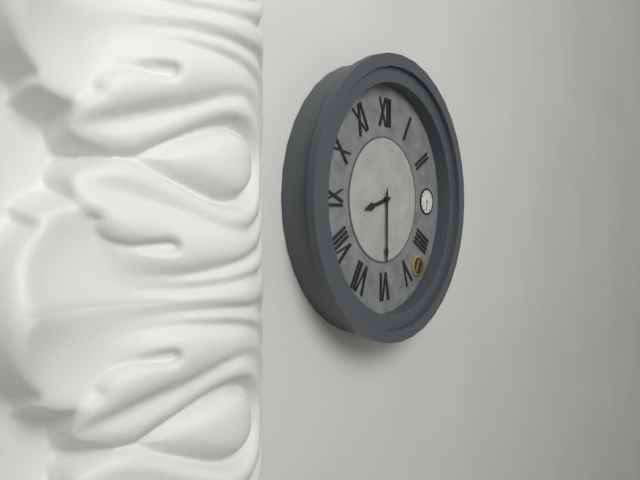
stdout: 8:30
